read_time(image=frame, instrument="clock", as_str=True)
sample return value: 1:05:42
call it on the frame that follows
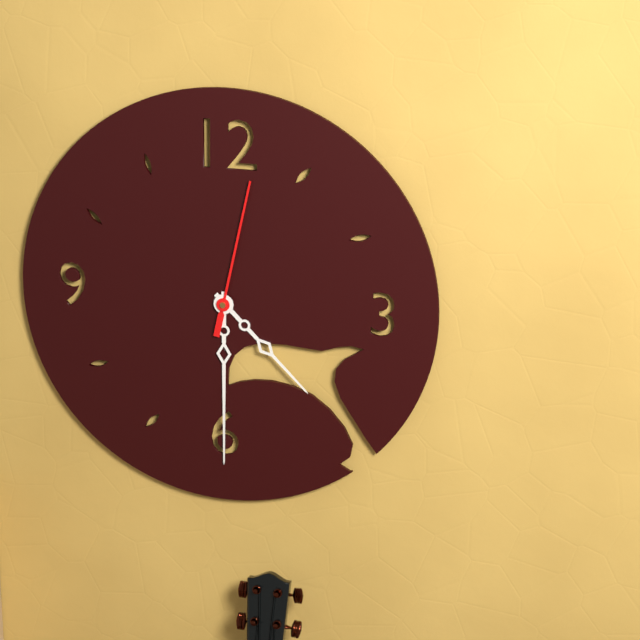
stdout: 4:30:02
